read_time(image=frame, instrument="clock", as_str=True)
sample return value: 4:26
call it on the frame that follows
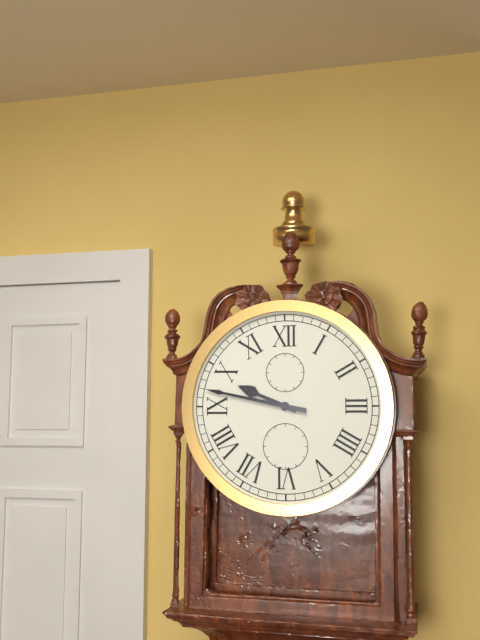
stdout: 9:47
